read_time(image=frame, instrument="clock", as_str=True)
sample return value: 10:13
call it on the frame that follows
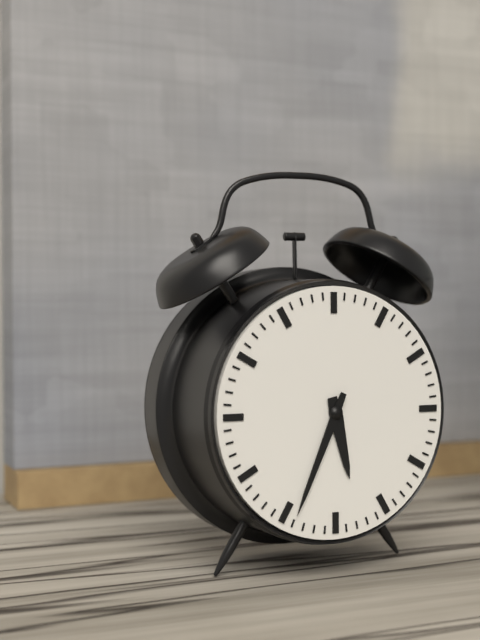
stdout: 5:34
